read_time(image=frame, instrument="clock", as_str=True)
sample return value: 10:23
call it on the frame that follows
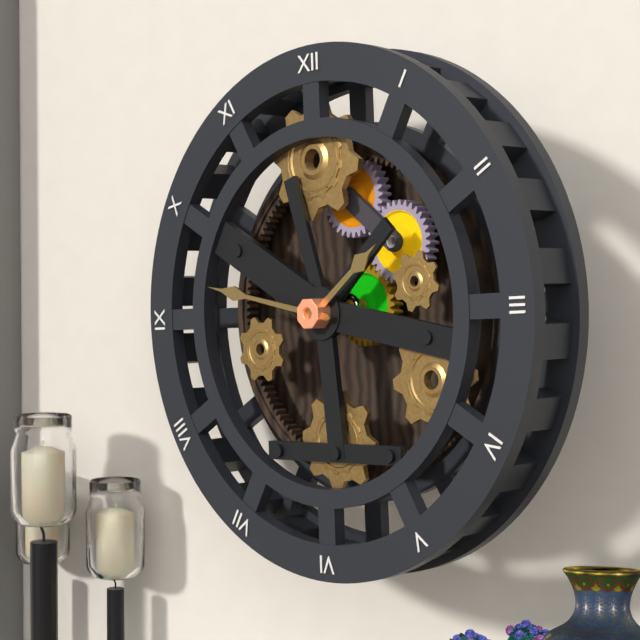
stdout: 1:47
